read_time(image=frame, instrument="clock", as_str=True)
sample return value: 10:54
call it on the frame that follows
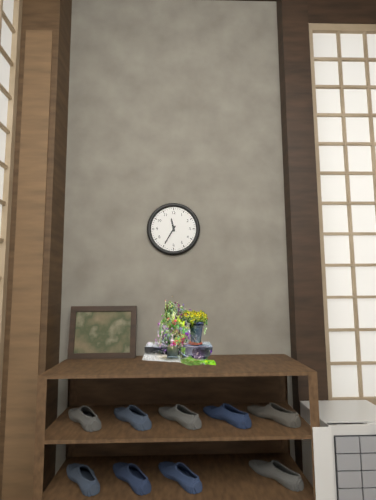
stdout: 11:35
